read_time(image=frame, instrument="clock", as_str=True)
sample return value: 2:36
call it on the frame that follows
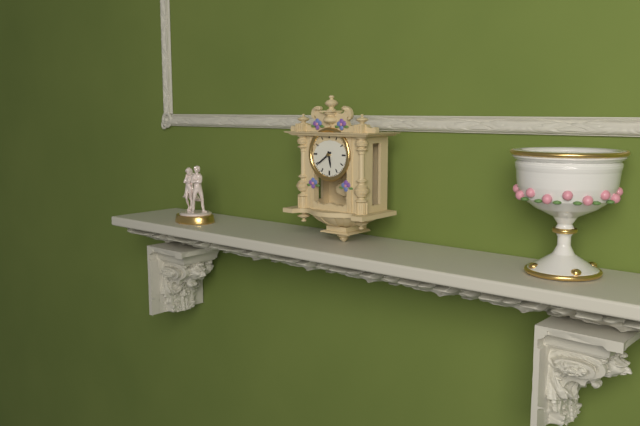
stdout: 5:39
